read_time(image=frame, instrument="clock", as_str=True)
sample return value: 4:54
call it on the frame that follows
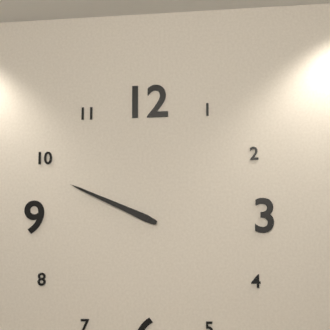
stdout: 9:49
